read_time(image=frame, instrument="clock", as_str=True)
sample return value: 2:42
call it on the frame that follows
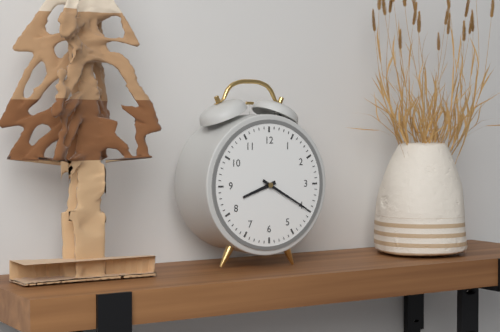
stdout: 8:20
